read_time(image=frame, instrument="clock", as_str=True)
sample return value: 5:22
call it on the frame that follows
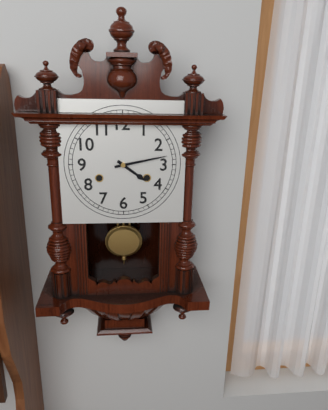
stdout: 4:13
